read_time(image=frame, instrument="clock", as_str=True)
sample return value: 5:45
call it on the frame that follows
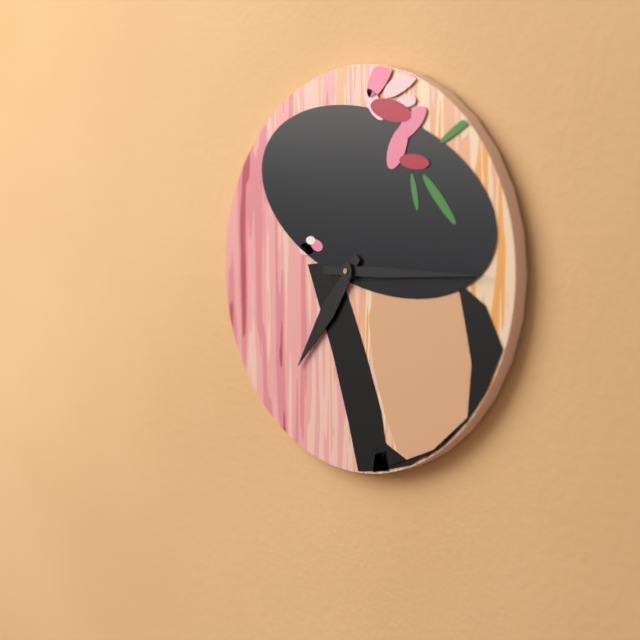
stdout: 7:15
